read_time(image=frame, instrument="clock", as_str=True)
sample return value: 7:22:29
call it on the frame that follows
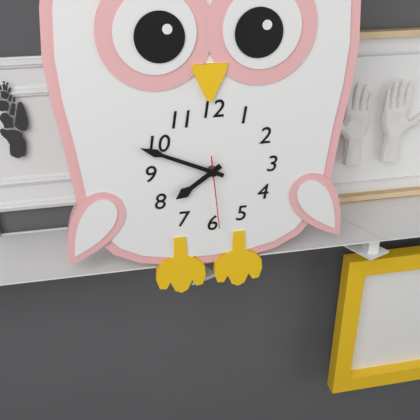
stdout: 7:49:29
